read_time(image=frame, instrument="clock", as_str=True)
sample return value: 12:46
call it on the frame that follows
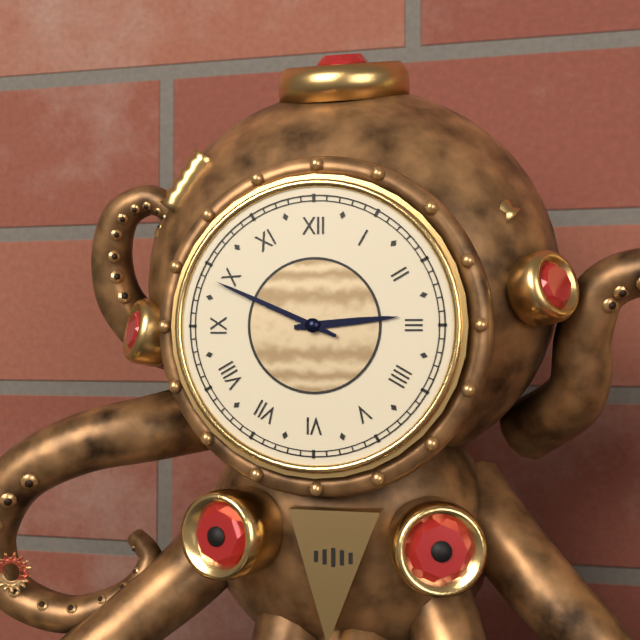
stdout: 2:49
